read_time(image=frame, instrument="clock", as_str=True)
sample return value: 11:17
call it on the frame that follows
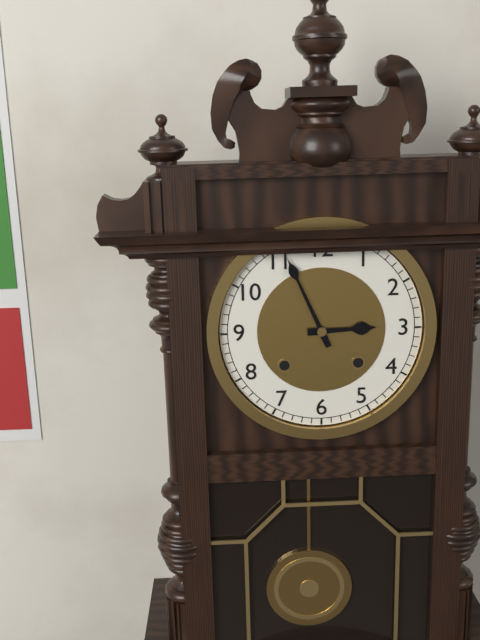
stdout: 2:56
